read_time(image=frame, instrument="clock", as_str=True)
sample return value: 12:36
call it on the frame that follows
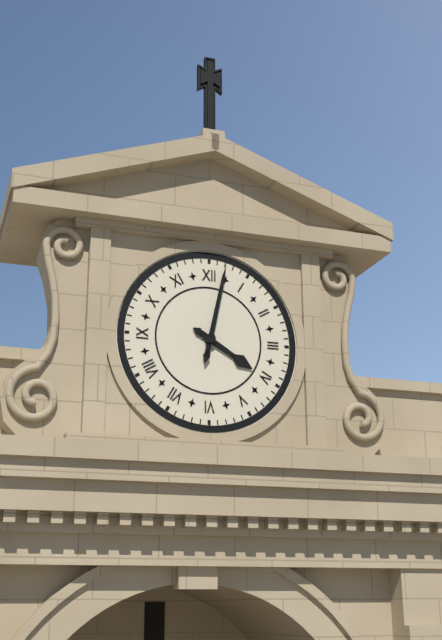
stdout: 4:02
